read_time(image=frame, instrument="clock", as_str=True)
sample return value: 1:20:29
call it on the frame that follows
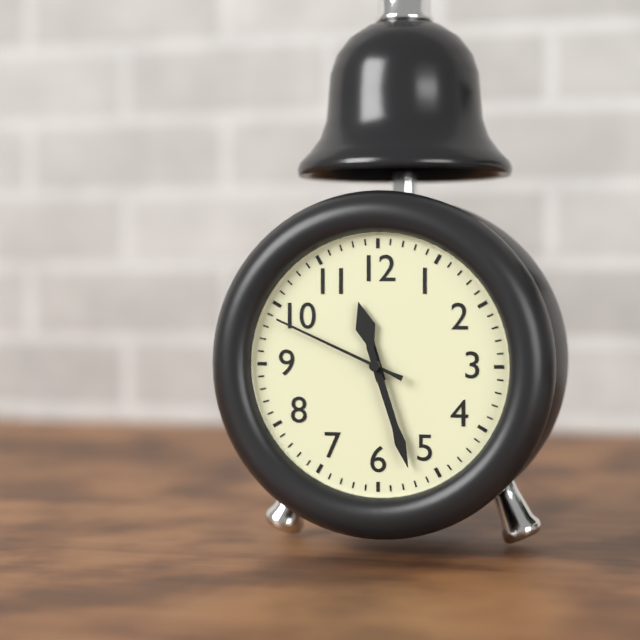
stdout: 11:27:49
